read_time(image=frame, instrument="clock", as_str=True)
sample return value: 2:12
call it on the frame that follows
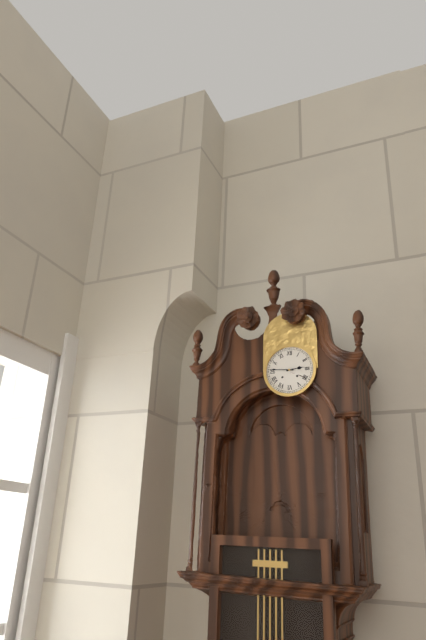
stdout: 2:46
